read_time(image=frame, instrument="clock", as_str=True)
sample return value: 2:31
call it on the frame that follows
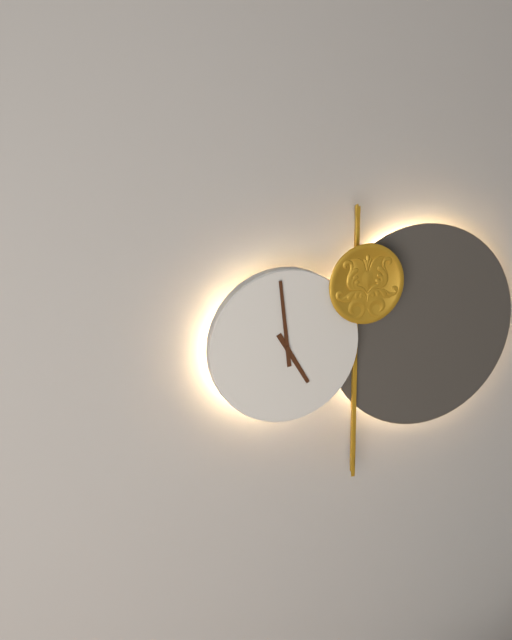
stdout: 4:59
